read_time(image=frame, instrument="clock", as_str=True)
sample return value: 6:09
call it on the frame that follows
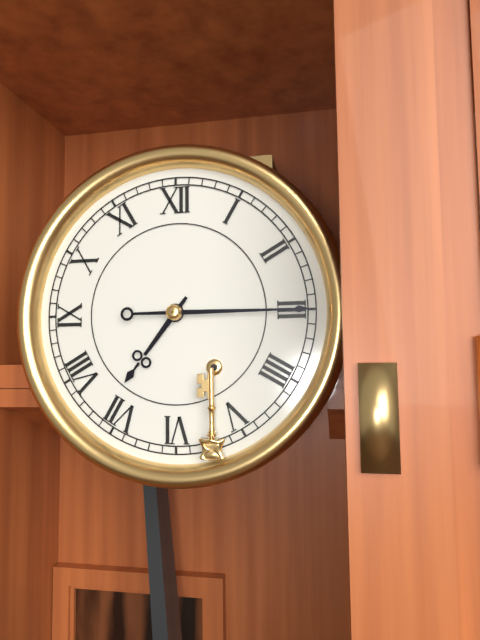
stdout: 7:15
